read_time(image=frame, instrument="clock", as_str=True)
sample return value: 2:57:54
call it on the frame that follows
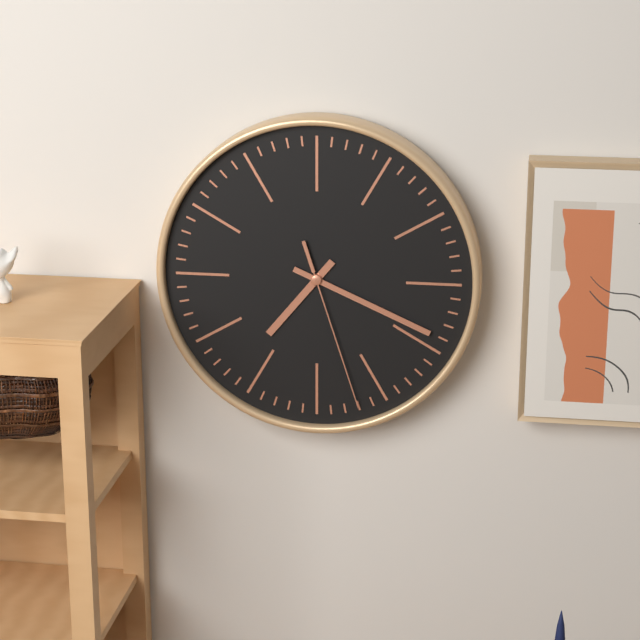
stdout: 7:19:27
